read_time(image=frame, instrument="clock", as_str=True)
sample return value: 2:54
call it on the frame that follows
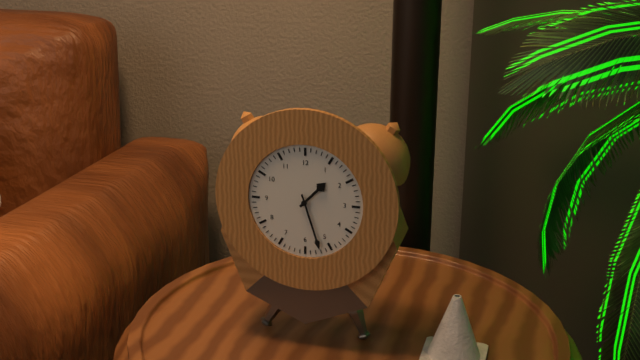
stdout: 1:27
